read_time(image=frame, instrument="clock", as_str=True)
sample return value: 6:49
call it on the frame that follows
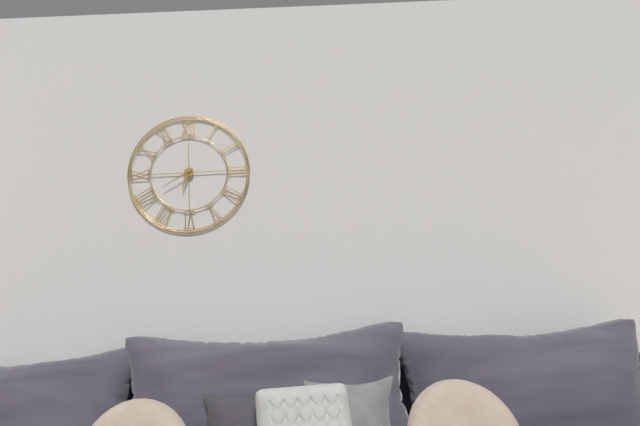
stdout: 6:40
